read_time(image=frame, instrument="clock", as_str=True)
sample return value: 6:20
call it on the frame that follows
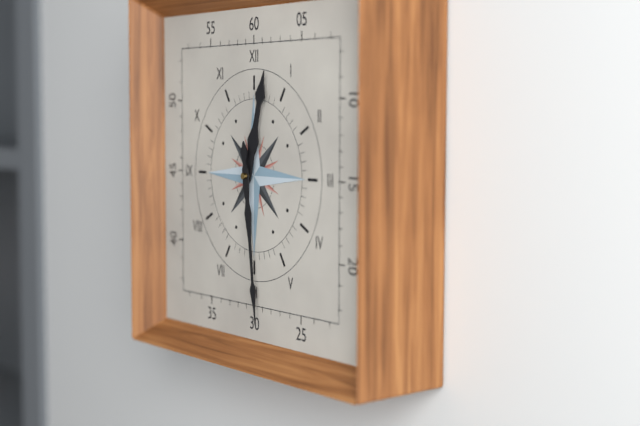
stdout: 12:29
